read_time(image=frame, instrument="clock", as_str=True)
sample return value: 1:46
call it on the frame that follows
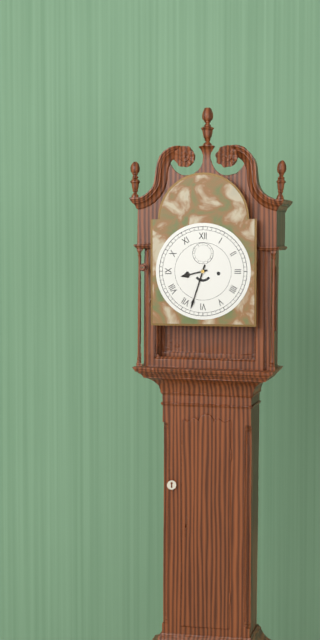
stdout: 8:33
